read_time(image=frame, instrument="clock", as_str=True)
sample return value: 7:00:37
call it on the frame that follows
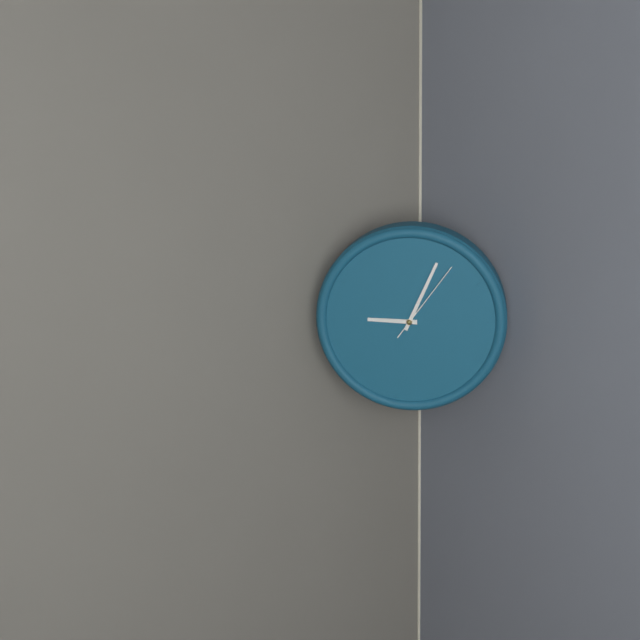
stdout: 9:04:06
